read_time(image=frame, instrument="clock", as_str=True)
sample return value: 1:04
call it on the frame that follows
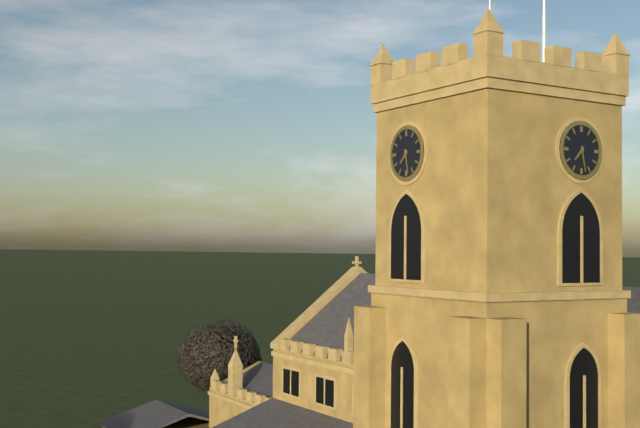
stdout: 7:28
